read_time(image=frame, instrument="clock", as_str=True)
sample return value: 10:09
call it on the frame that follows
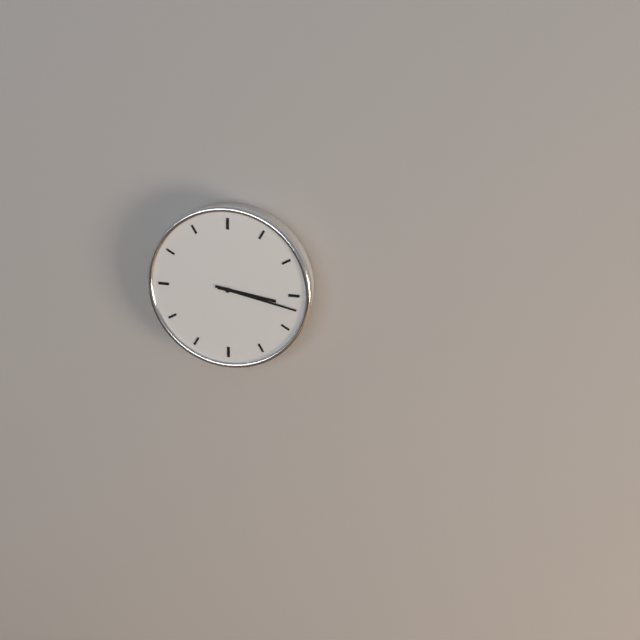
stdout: 3:17
